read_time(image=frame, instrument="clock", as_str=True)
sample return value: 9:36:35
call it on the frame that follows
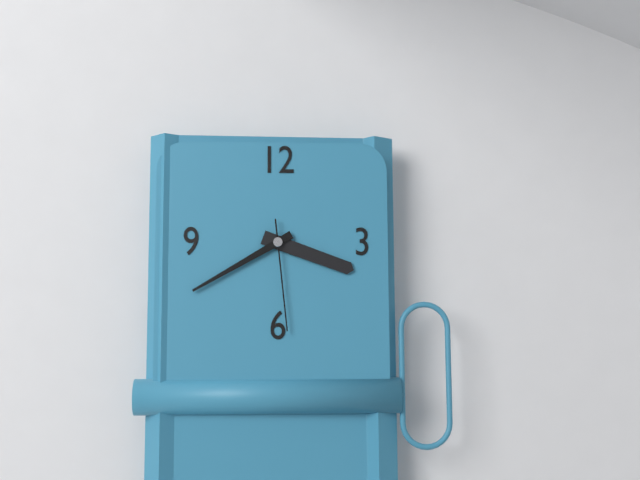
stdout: 3:40:29
